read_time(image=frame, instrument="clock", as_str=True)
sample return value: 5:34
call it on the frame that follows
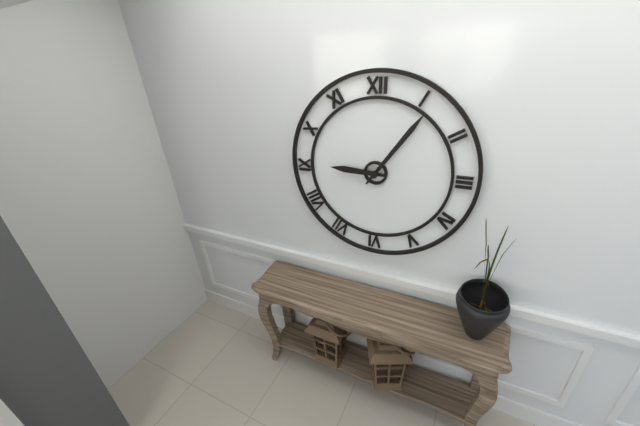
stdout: 9:06
